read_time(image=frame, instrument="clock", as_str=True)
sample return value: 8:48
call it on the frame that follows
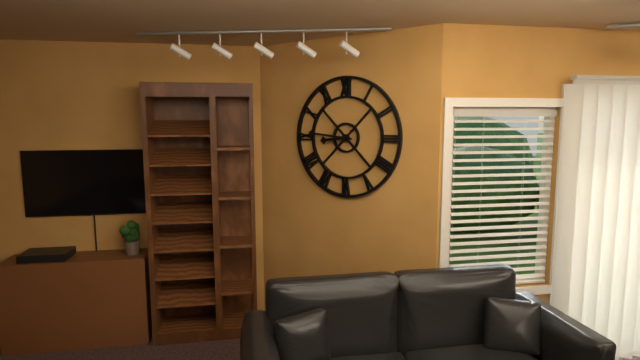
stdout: 8:46
